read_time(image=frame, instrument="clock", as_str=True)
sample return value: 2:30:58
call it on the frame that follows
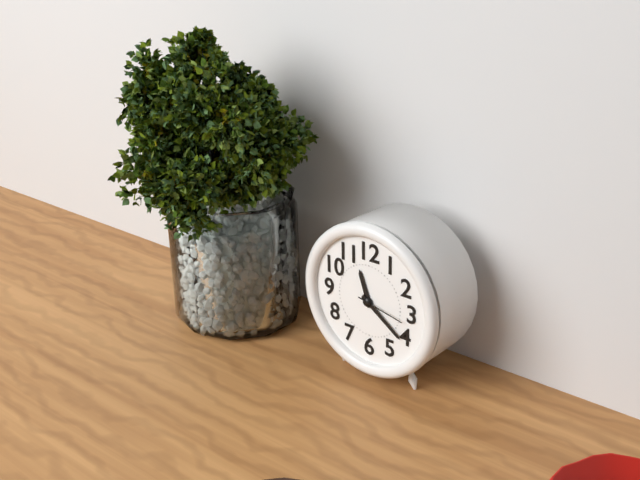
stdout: 11:21:17
